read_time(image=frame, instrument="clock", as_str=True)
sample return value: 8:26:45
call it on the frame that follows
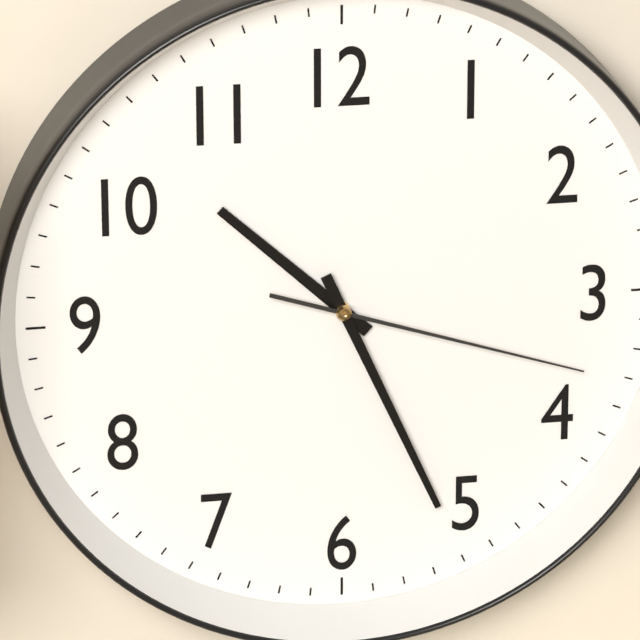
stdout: 10:26:18
